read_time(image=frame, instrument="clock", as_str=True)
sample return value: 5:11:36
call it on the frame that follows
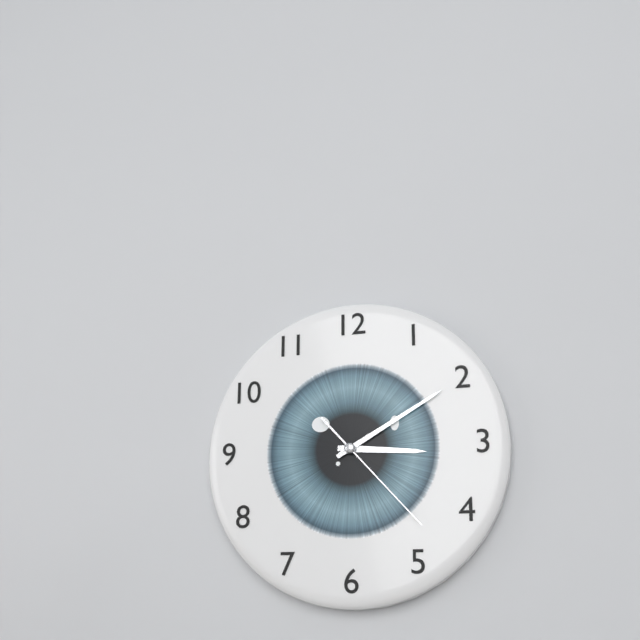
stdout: 3:10:23
